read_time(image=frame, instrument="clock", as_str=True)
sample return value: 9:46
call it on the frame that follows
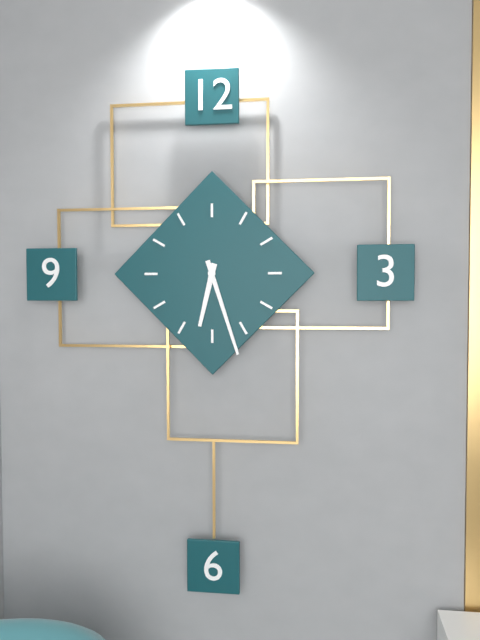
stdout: 6:27
